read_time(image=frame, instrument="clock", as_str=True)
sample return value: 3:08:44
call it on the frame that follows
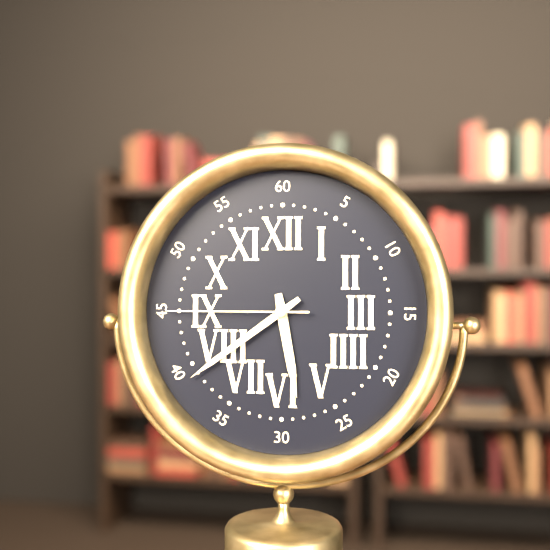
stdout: 5:39:45
